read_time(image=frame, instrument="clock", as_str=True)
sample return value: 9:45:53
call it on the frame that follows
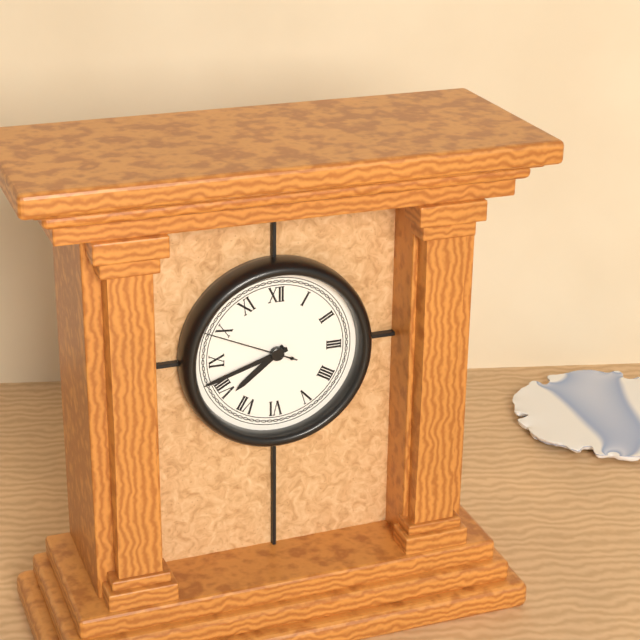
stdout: 7:42:49
